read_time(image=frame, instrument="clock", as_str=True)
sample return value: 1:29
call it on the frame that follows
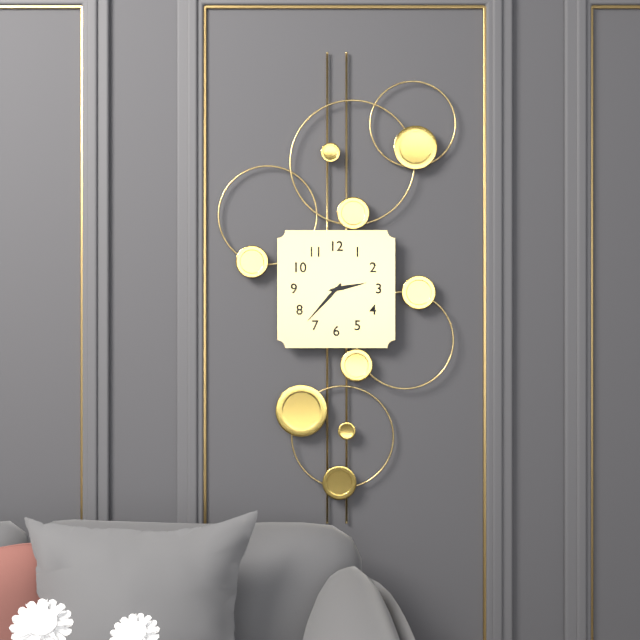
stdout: 2:37
